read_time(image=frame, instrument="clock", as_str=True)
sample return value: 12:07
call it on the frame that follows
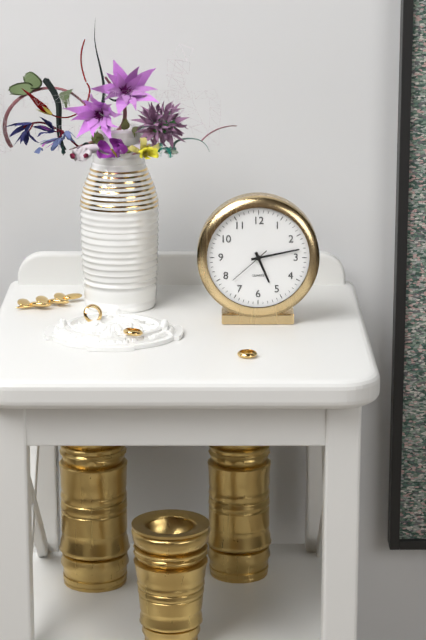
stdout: 5:13
